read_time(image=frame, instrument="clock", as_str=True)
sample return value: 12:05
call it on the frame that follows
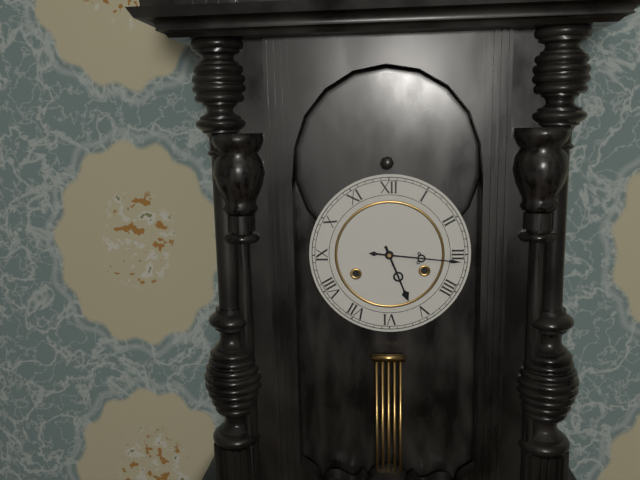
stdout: 5:16
